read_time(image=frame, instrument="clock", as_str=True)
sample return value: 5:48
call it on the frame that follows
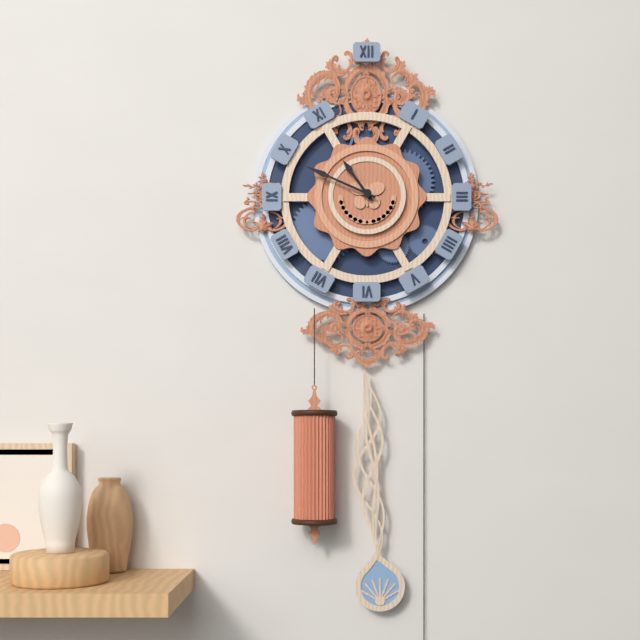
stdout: 10:49
